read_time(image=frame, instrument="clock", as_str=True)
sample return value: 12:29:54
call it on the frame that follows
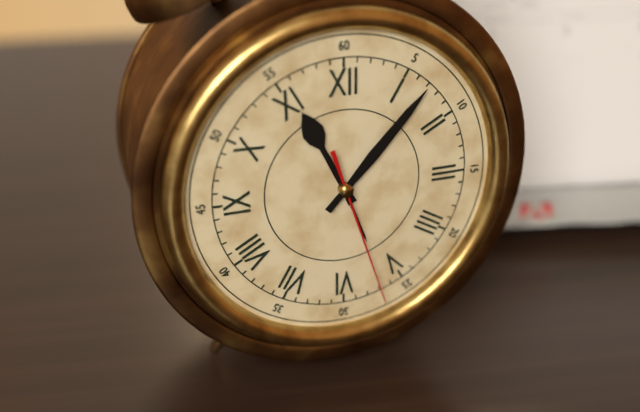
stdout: 11:07:27
